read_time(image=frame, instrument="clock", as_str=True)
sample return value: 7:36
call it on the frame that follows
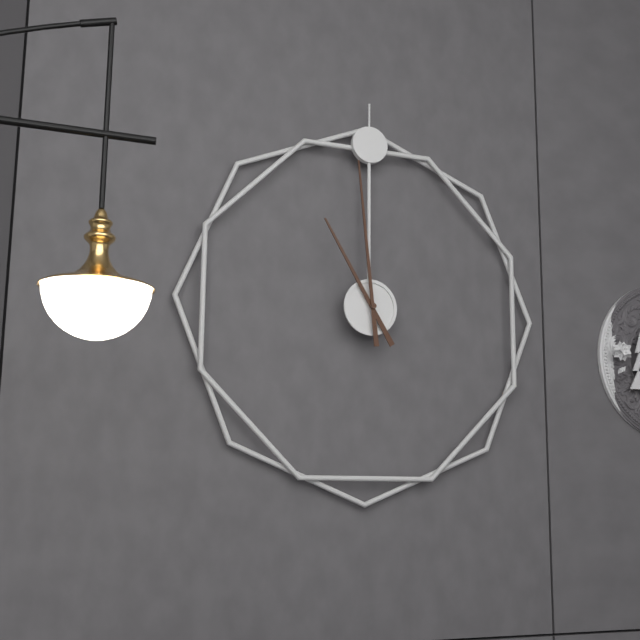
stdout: 10:59
